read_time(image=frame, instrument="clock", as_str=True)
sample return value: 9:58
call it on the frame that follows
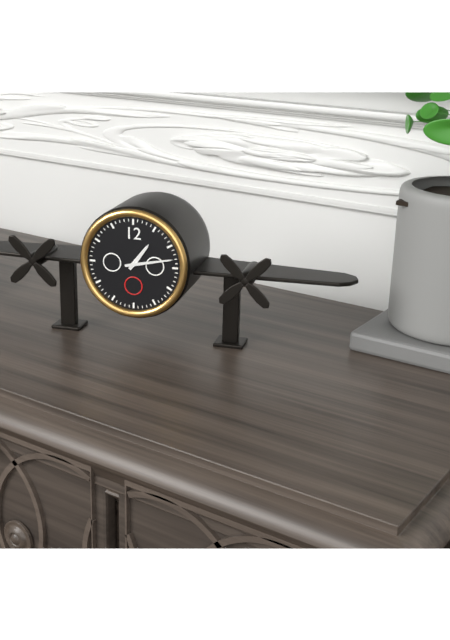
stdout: 1:13
